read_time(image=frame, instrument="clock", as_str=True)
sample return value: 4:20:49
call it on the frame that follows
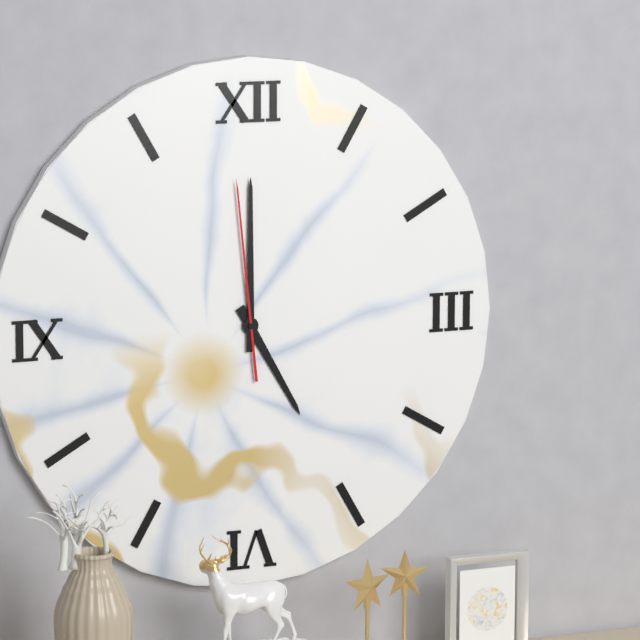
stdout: 5:00:59
